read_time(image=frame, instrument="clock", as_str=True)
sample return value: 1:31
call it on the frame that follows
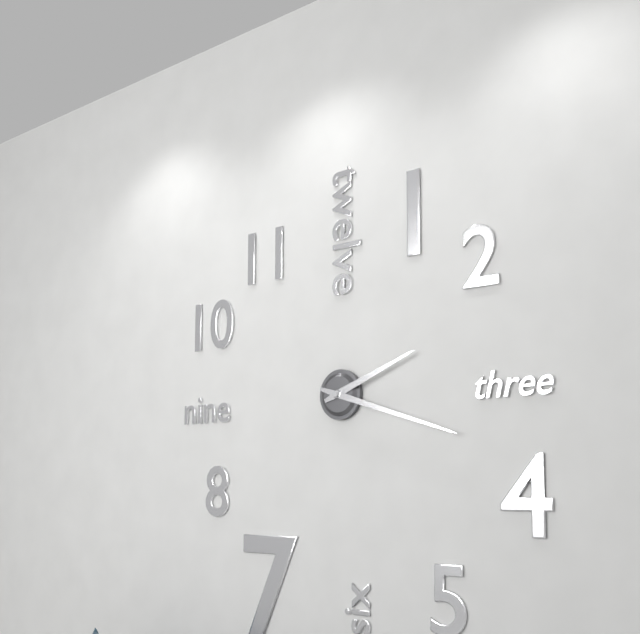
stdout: 2:18
